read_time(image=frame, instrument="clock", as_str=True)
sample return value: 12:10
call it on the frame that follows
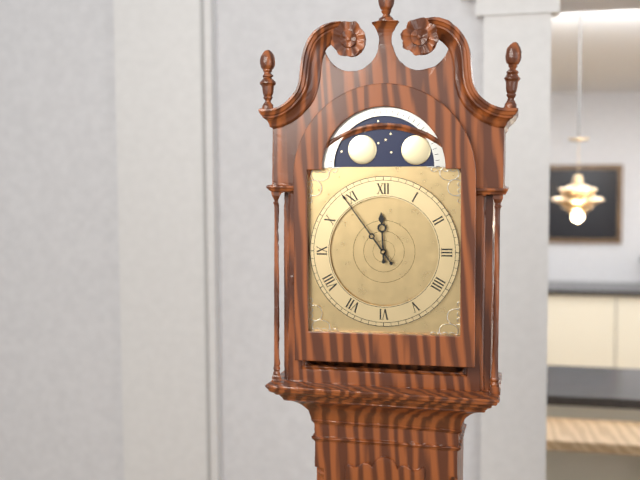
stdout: 11:54
